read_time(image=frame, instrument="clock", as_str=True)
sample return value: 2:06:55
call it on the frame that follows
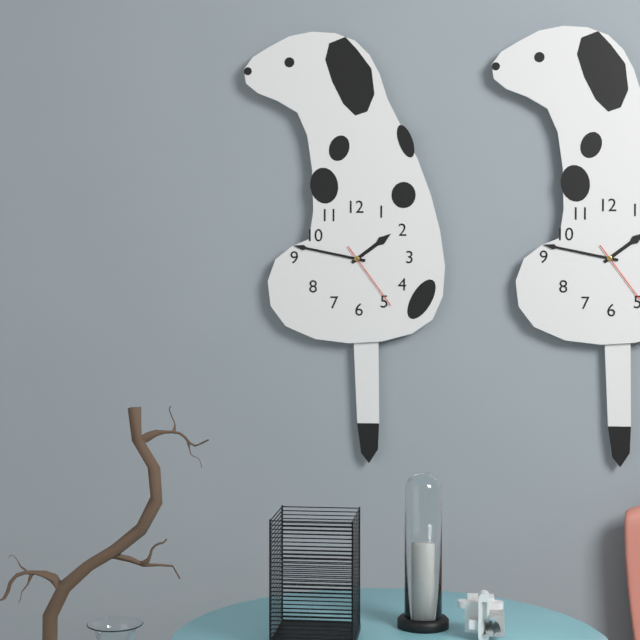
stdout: 1:47:24
